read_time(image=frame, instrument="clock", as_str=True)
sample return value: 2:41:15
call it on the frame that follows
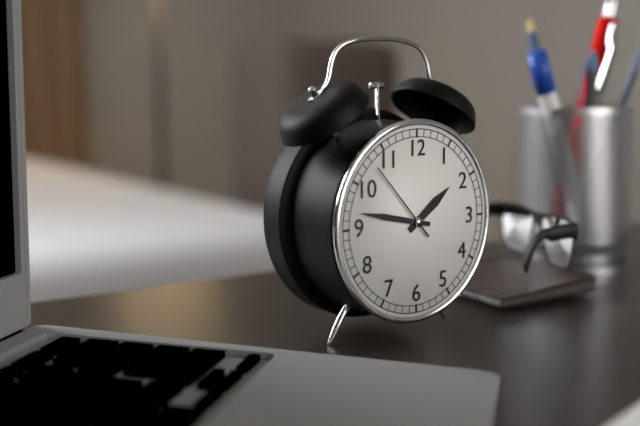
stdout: 1:47:53
